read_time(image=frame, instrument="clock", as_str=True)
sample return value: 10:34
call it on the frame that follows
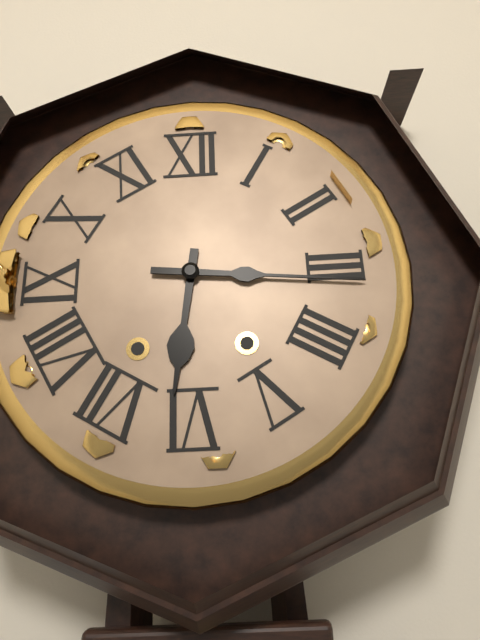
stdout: 6:16
